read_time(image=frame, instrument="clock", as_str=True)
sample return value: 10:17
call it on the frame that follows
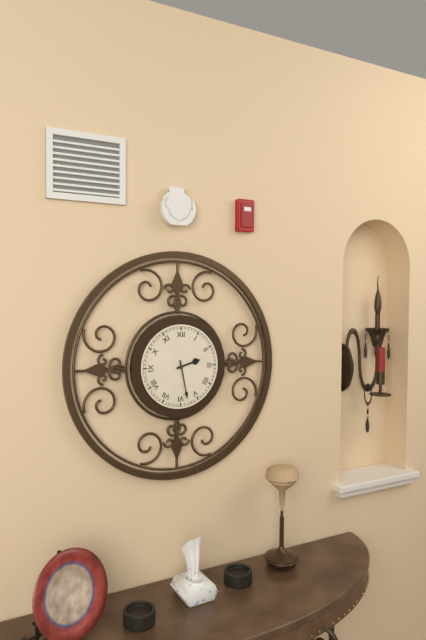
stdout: 2:28
